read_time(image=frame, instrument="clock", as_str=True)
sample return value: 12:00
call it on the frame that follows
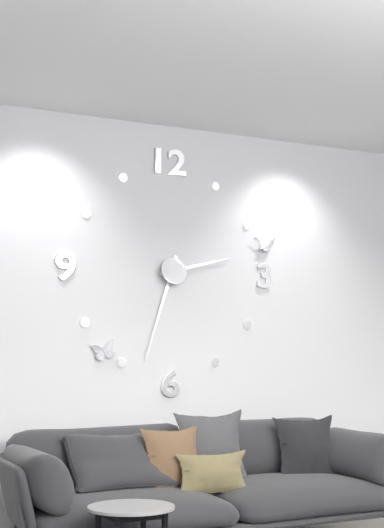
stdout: 2:33
